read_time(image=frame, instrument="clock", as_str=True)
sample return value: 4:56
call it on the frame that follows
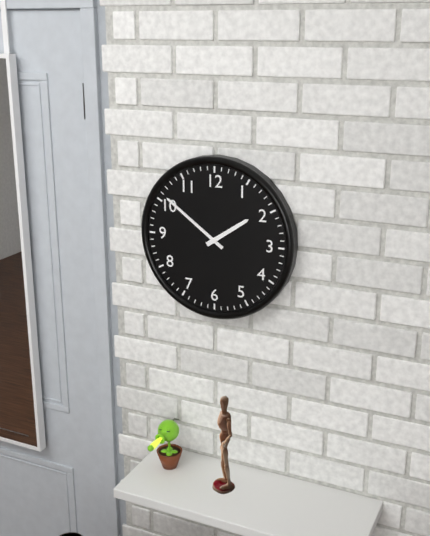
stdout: 1:51
